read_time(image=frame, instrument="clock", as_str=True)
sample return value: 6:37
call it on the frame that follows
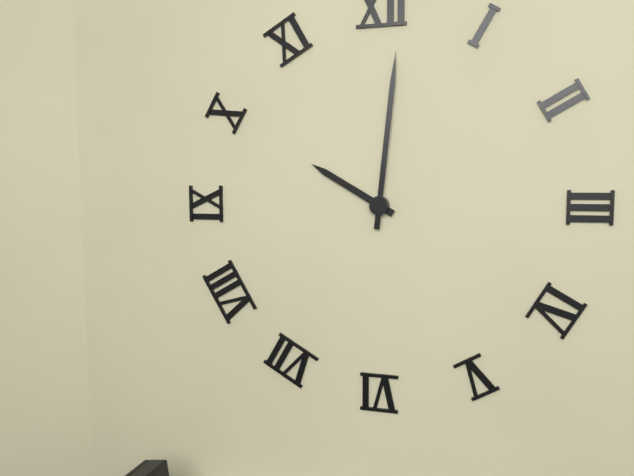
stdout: 10:01
